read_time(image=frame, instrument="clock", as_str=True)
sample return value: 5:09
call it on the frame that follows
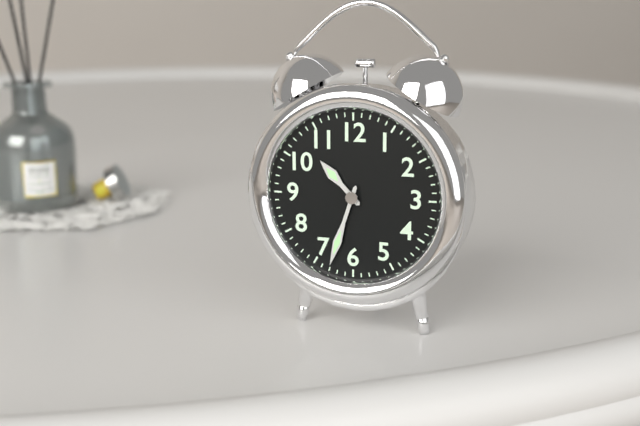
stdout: 10:33
